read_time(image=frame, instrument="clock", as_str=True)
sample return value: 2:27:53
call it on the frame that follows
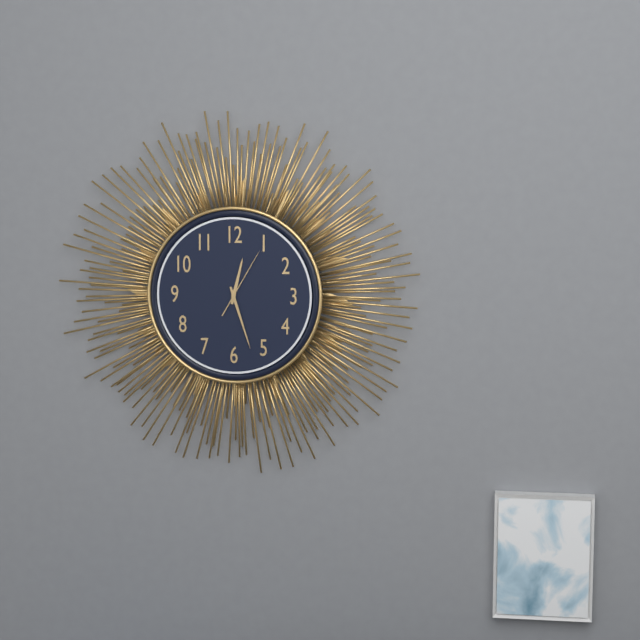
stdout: 12:27:05
